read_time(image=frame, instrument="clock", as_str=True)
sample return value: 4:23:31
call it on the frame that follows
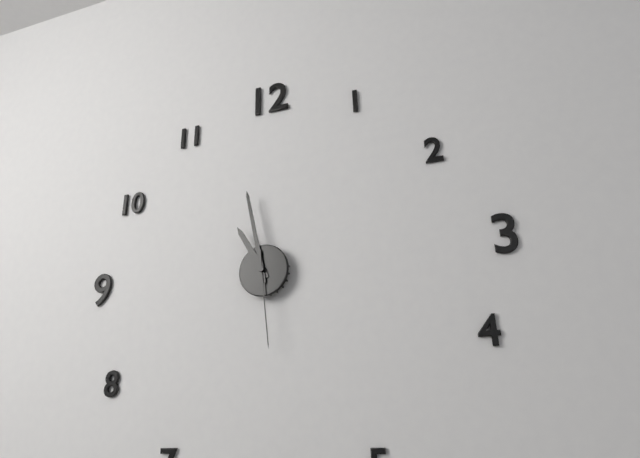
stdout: 10:58:29
